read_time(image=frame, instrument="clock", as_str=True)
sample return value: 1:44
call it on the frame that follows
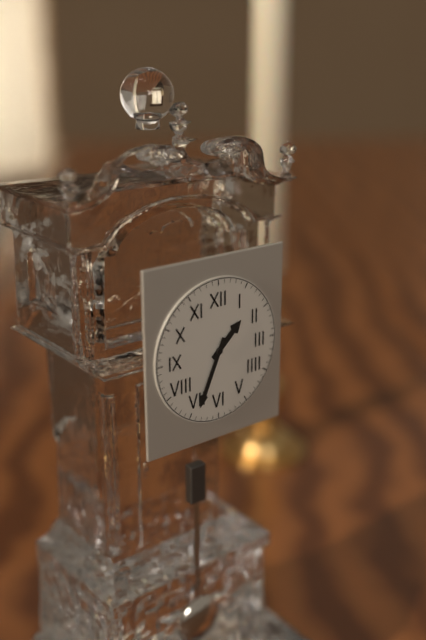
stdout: 1:34
